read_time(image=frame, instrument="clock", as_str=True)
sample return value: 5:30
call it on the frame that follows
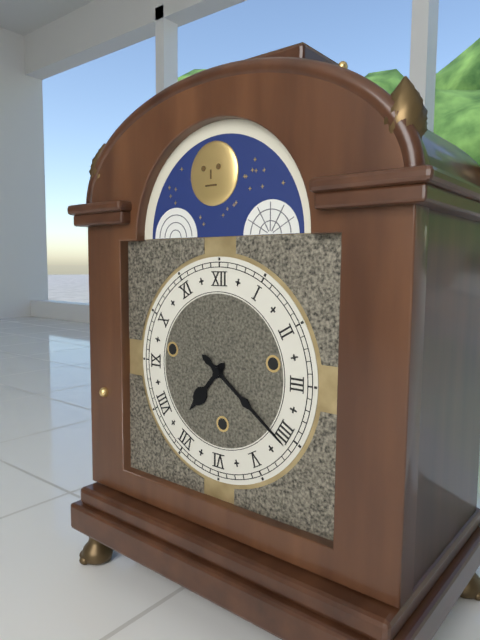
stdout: 7:21
